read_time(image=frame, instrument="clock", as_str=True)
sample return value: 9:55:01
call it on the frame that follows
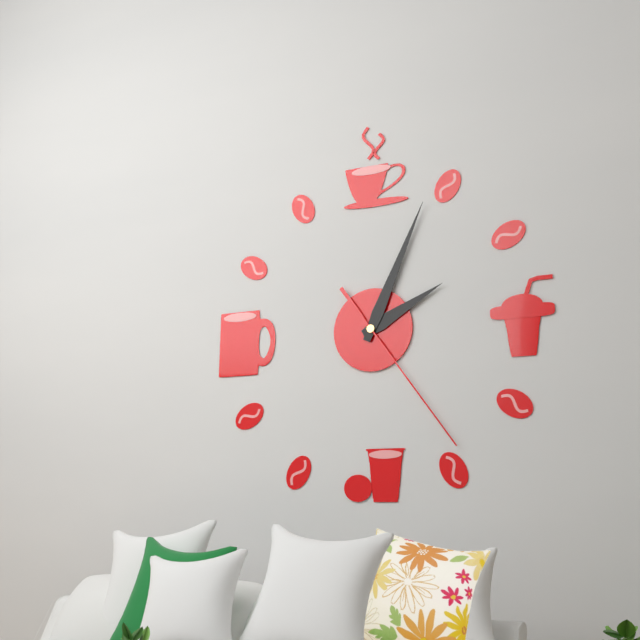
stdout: 2:04:24
